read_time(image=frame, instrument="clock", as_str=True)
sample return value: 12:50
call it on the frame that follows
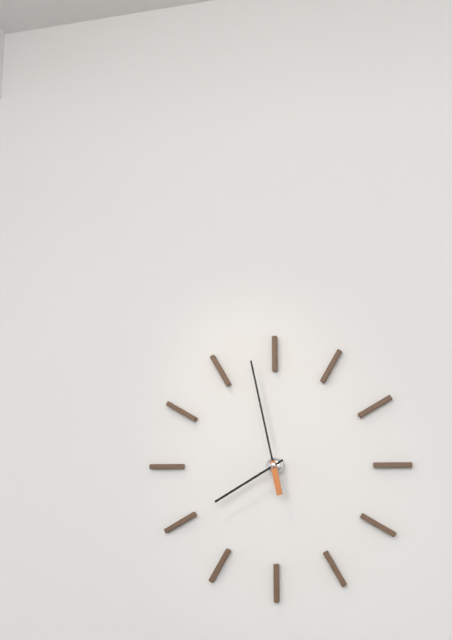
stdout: 7:58
